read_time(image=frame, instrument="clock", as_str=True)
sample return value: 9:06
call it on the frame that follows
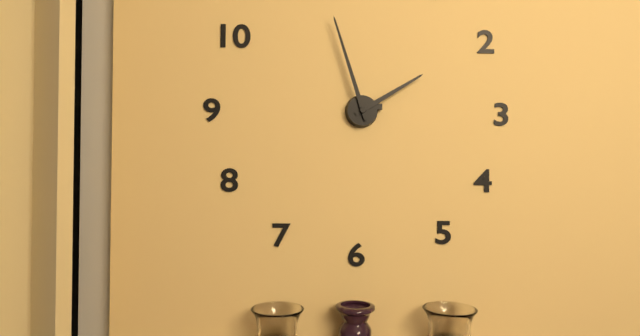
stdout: 1:57
